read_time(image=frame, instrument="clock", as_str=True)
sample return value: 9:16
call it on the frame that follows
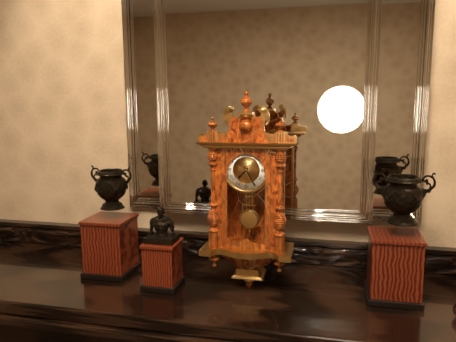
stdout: 7:25
